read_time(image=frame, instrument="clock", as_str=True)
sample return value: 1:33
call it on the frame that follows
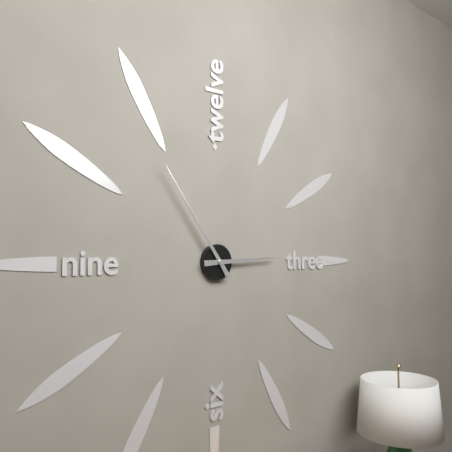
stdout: 2:54
